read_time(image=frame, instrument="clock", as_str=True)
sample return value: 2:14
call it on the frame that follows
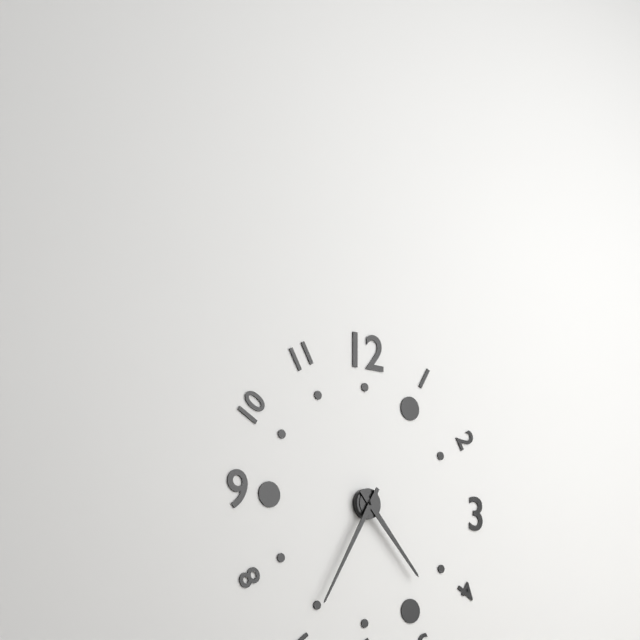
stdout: 4:35
